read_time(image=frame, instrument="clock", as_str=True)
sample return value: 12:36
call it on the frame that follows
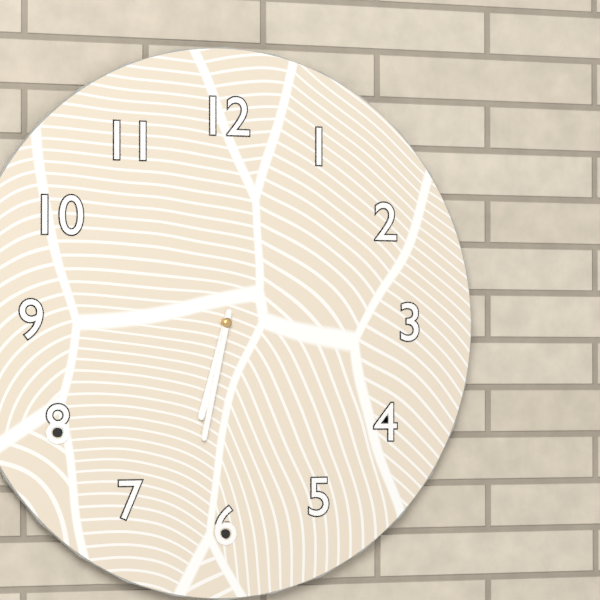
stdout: 6:32
